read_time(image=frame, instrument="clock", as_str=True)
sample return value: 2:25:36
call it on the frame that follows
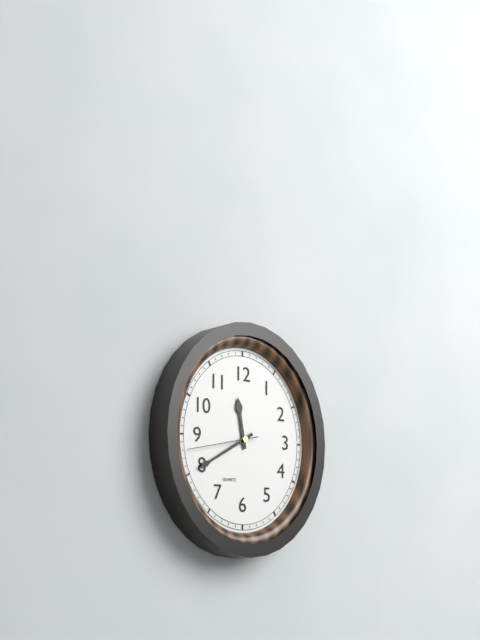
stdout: 11:40:43
